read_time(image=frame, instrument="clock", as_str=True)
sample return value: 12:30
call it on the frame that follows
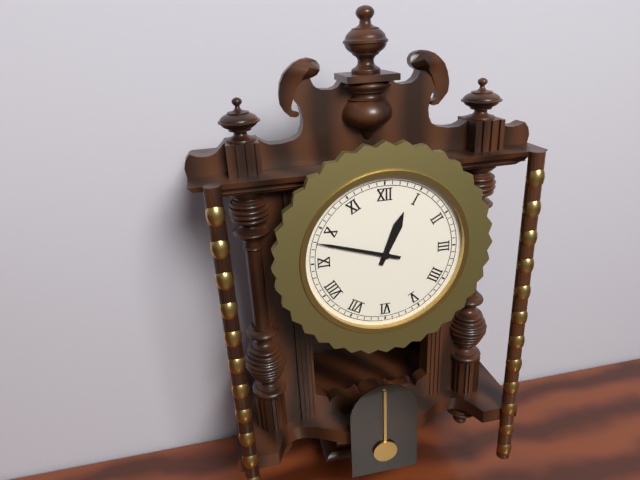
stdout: 12:48
